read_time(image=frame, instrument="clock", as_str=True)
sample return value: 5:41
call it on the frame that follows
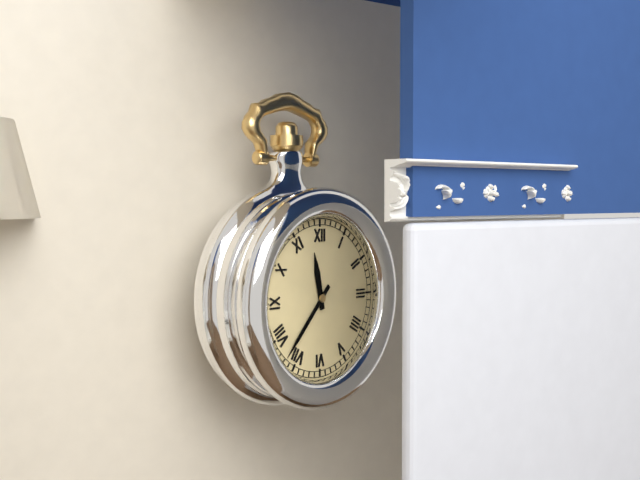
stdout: 11:37
